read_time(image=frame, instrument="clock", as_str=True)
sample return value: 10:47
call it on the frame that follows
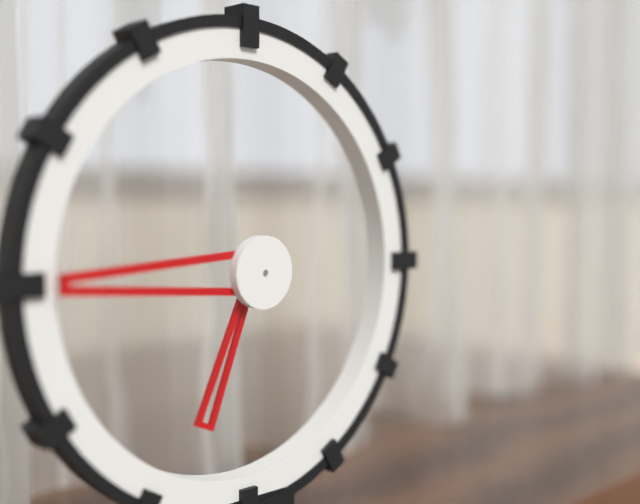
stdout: 6:45
